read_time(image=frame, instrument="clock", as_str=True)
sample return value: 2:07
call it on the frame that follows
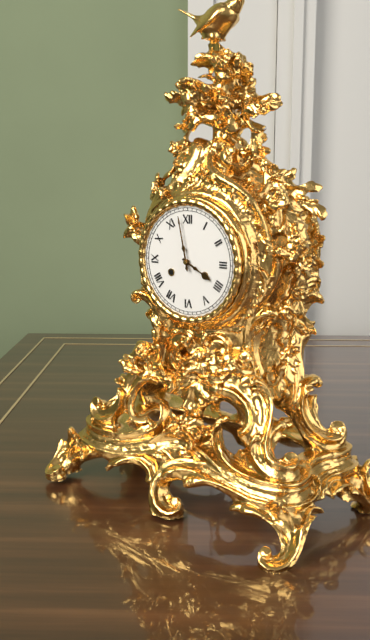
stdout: 3:58
